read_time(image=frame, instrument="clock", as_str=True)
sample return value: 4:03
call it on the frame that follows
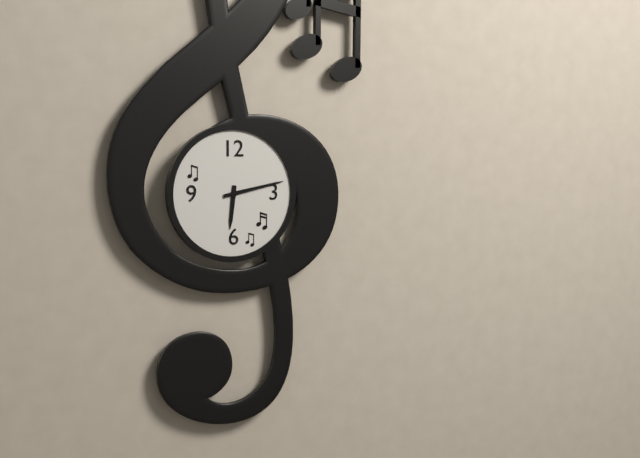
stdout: 6:13
